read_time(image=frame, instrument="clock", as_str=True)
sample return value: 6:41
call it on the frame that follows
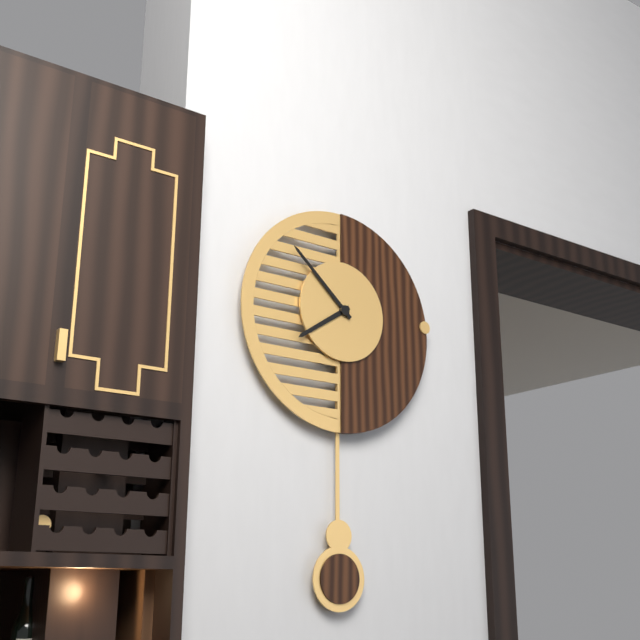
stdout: 7:52
